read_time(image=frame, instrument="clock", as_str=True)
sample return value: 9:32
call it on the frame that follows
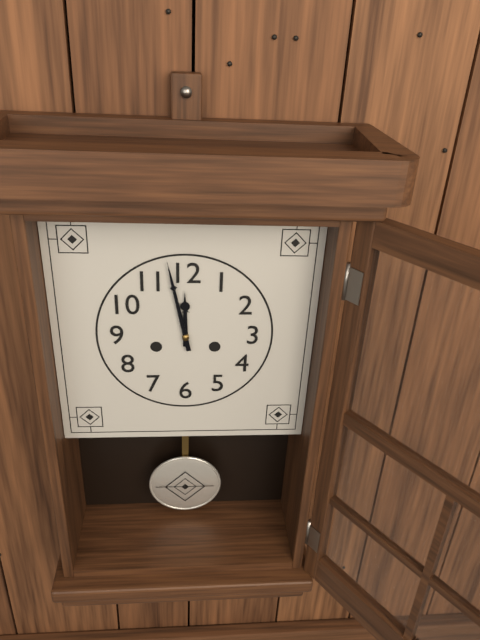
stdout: 11:58
